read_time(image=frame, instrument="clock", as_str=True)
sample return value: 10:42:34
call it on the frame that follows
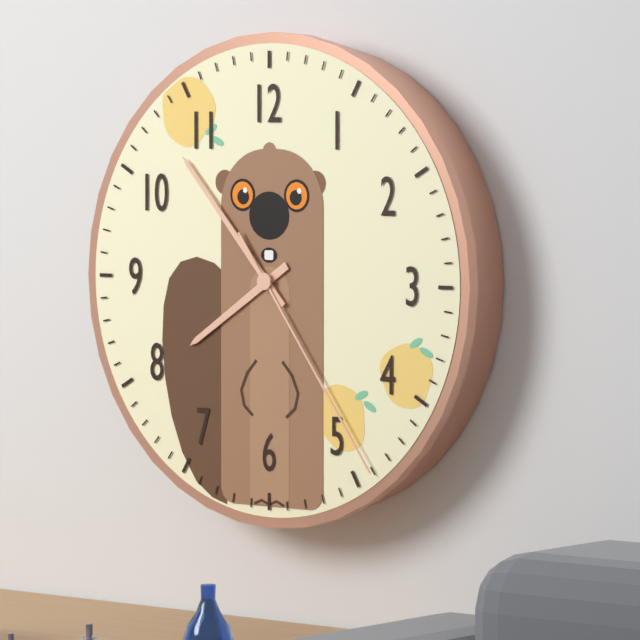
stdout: 7:53:24
